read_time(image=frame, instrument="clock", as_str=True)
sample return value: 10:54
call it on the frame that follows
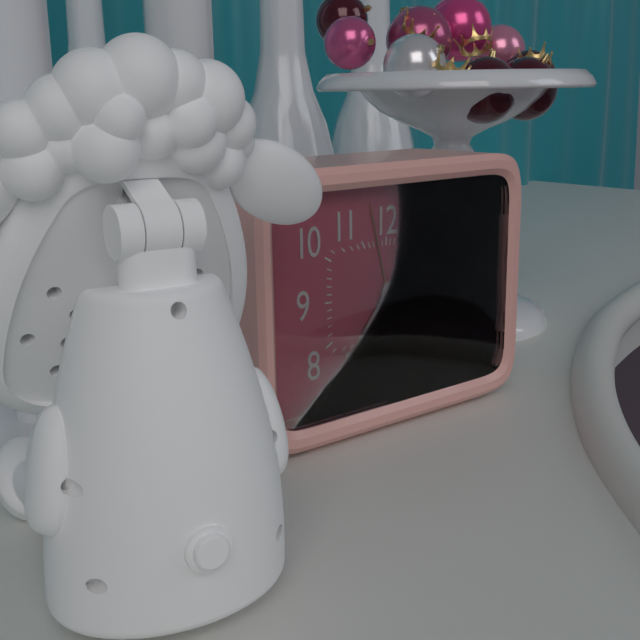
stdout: 7:09
